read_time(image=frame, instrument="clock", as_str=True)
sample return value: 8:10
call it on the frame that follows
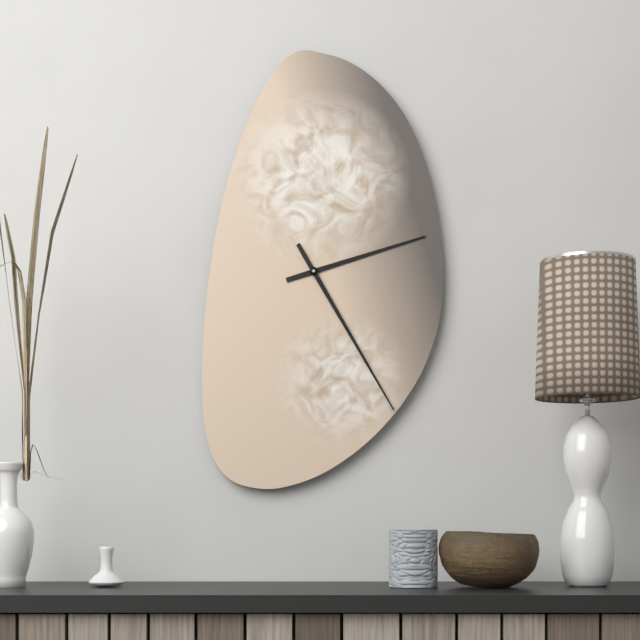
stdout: 2:25
